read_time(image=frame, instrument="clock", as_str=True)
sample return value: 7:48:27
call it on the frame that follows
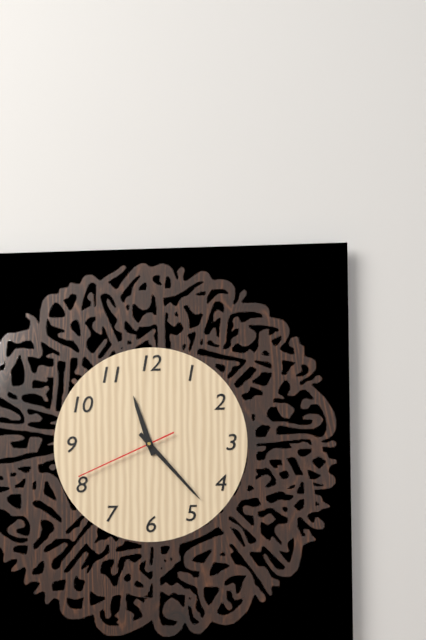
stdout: 11:23:41
